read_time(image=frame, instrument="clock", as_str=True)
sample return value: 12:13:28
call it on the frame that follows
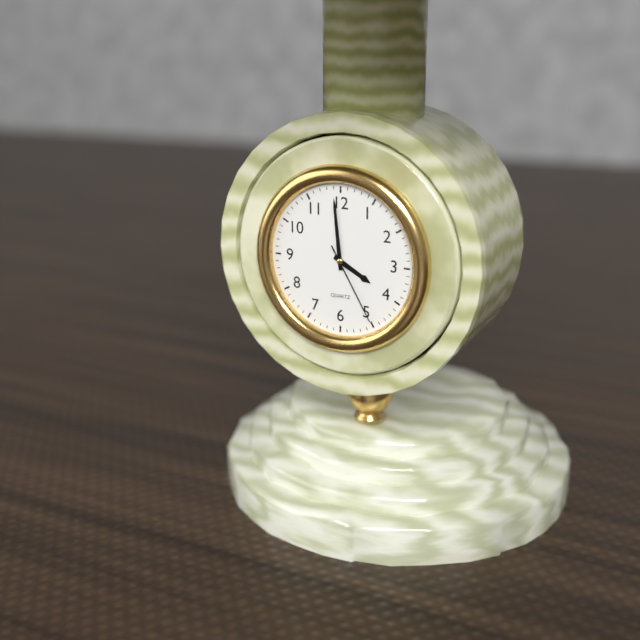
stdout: 3:59:25
